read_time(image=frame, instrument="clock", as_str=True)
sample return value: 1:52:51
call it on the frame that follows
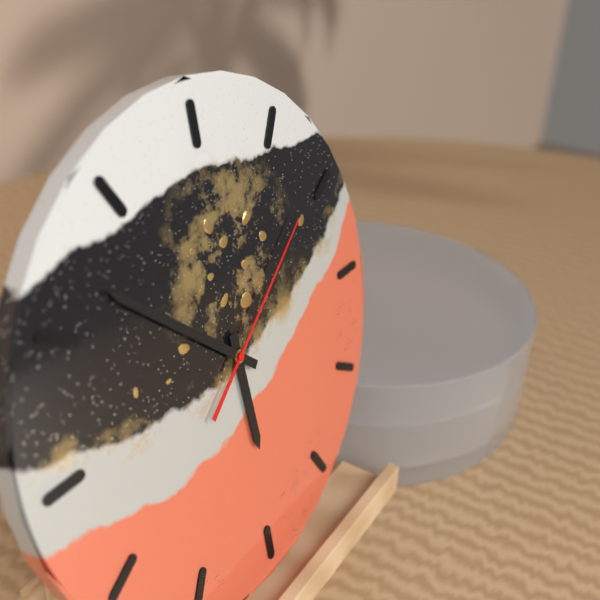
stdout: 5:52:09
